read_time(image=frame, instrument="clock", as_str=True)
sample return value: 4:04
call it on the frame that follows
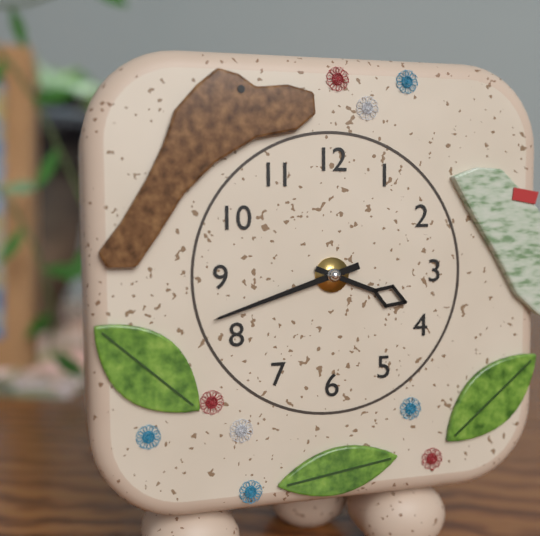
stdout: 3:42
